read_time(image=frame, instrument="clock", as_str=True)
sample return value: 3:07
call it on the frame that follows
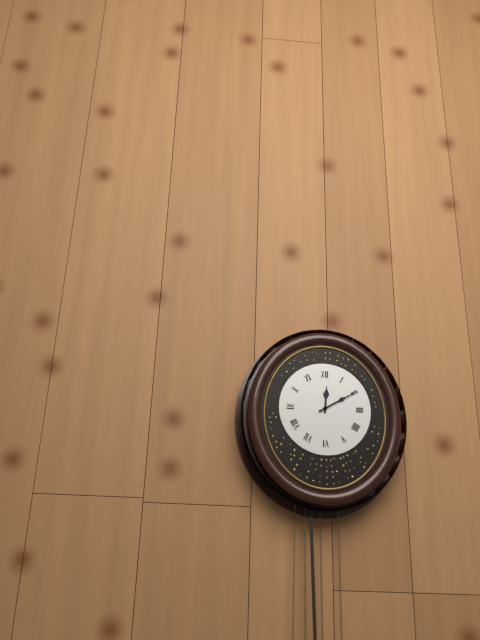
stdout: 12:10
